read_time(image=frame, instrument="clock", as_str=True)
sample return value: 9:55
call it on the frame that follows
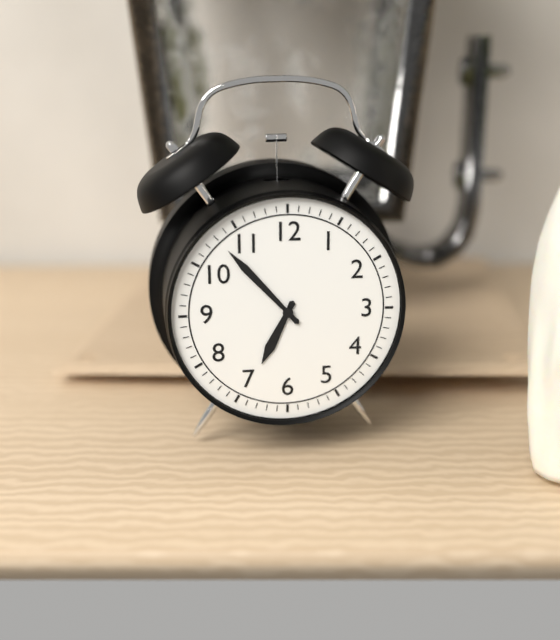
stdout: 6:53
